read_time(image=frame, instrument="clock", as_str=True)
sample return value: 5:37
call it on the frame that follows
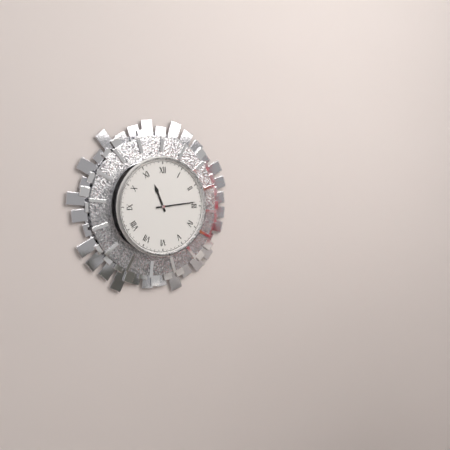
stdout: 11:14
